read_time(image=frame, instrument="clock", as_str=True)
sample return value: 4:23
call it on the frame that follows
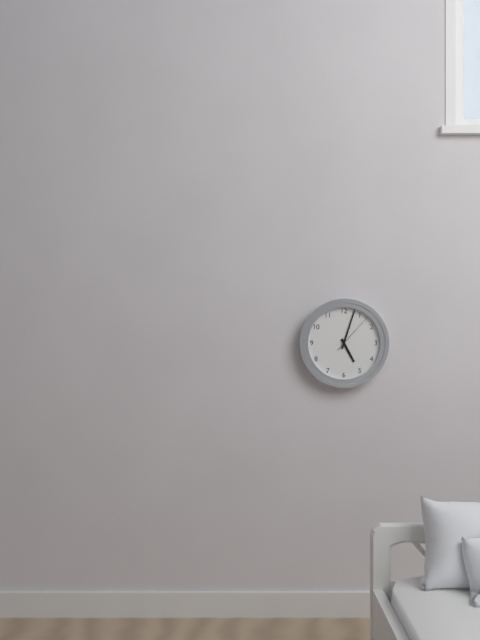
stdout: 5:03
